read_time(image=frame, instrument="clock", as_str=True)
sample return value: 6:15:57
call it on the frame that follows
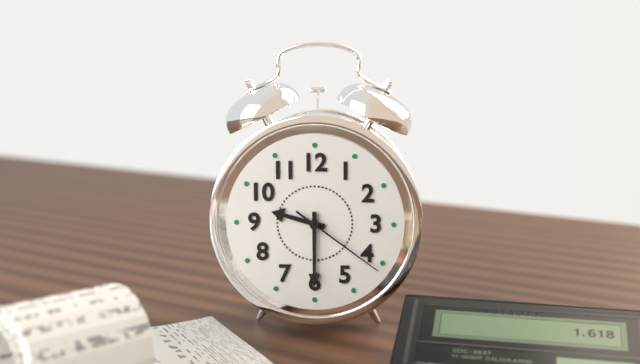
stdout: 9:30:21
